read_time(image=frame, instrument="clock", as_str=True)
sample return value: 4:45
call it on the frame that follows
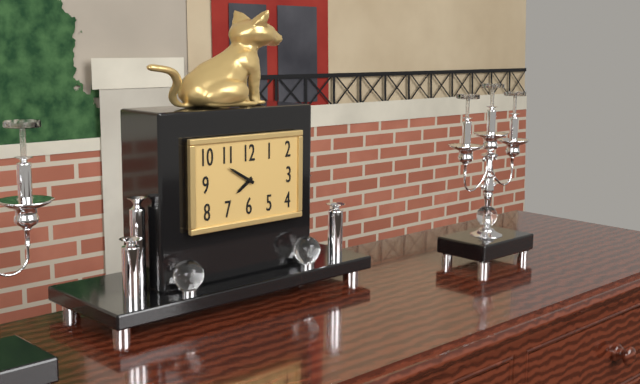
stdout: 7:50
